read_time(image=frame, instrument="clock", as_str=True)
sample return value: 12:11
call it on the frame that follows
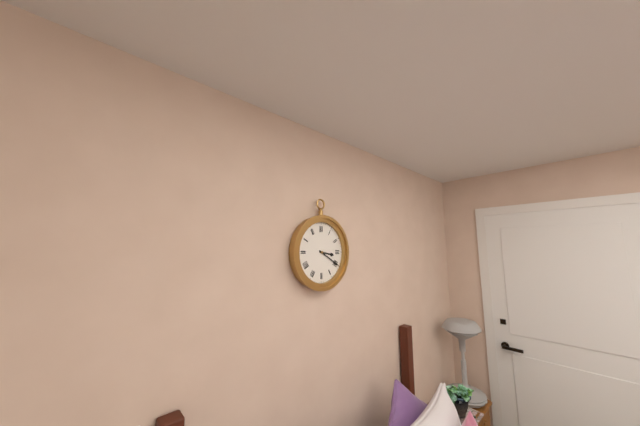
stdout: 3:20
